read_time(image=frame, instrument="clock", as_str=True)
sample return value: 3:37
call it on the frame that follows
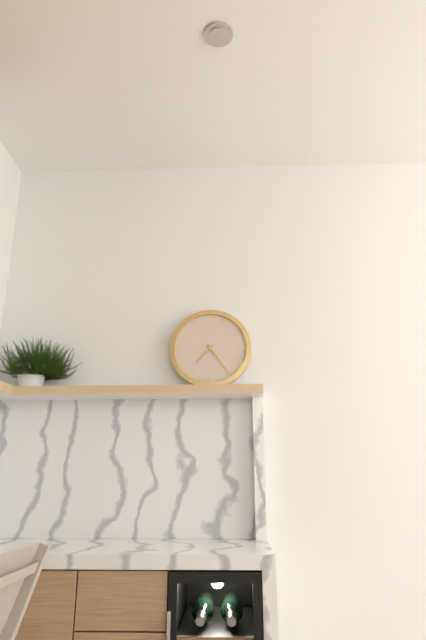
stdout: 7:24
